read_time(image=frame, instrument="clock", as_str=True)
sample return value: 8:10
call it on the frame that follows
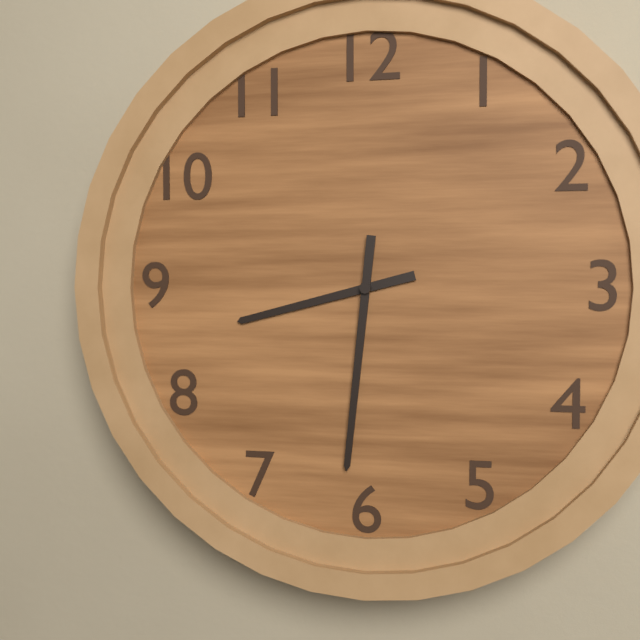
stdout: 8:31
